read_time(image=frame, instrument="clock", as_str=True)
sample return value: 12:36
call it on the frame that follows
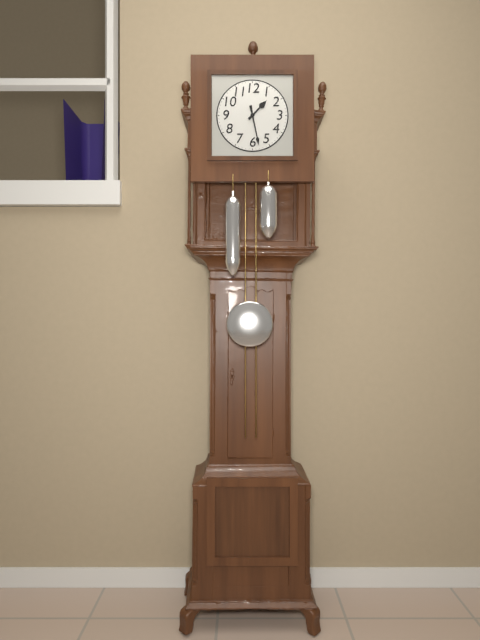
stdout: 1:28
